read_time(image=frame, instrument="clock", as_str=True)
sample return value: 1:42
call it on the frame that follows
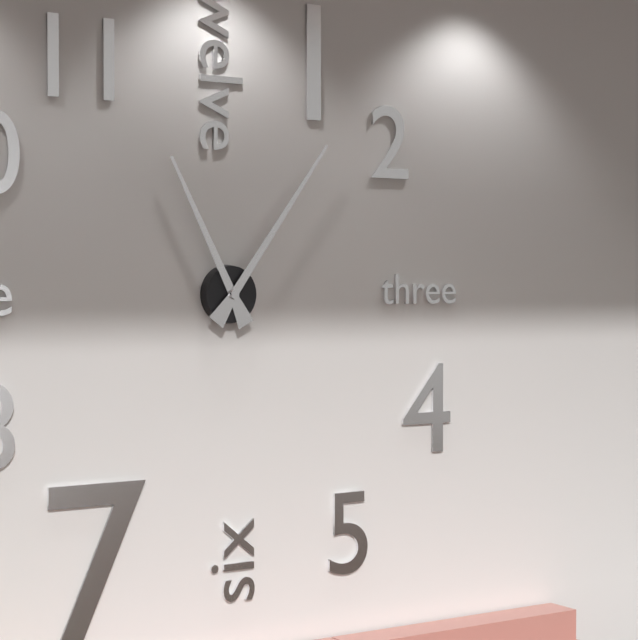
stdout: 11:06
